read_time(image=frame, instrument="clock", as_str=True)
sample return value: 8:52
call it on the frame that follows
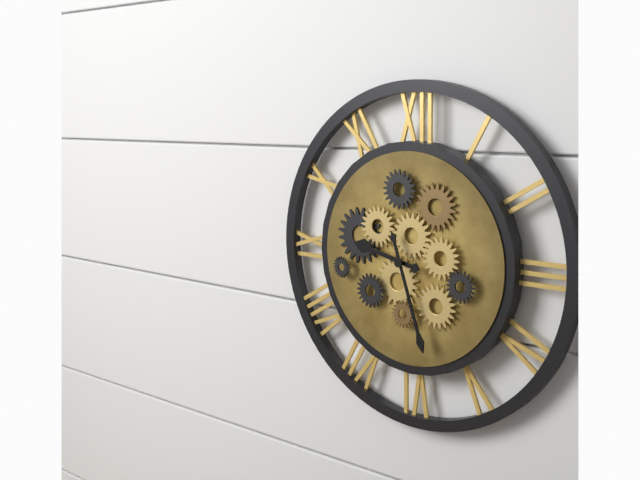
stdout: 9:27
